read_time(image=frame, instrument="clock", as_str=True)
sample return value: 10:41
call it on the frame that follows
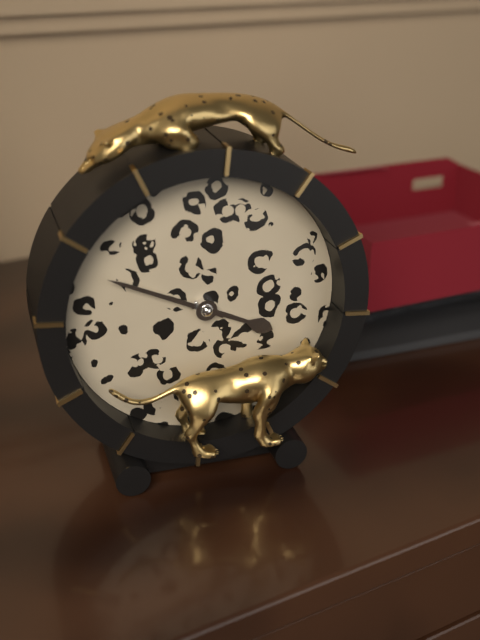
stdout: 3:49
